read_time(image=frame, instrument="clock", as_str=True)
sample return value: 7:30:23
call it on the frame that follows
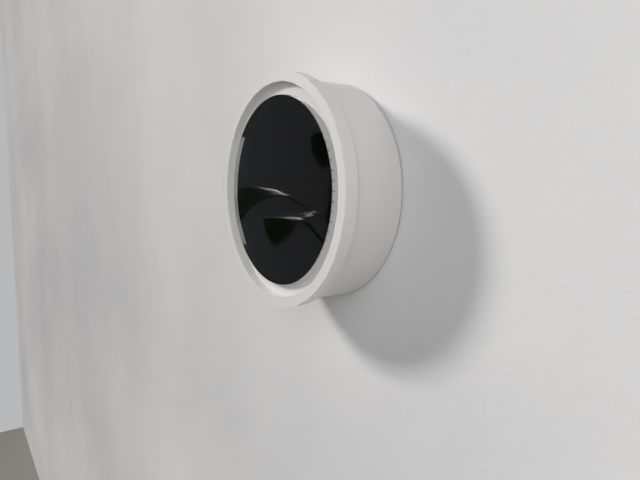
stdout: 12:11:46
